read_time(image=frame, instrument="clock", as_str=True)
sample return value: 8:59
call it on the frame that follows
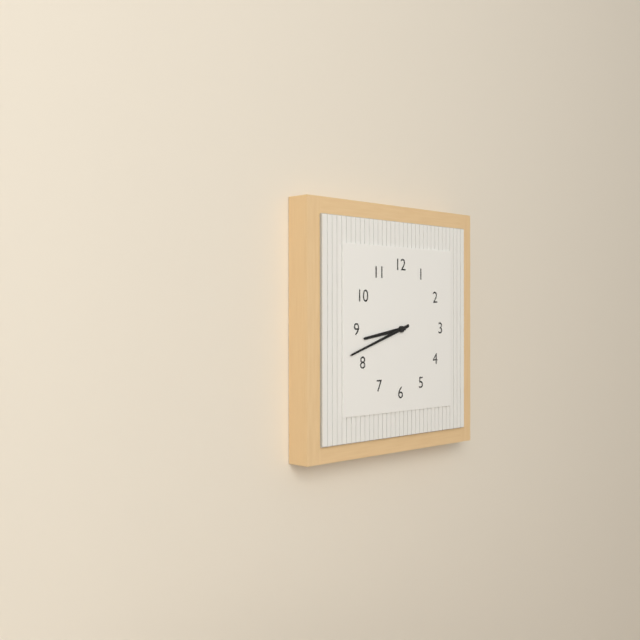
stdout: 8:42
